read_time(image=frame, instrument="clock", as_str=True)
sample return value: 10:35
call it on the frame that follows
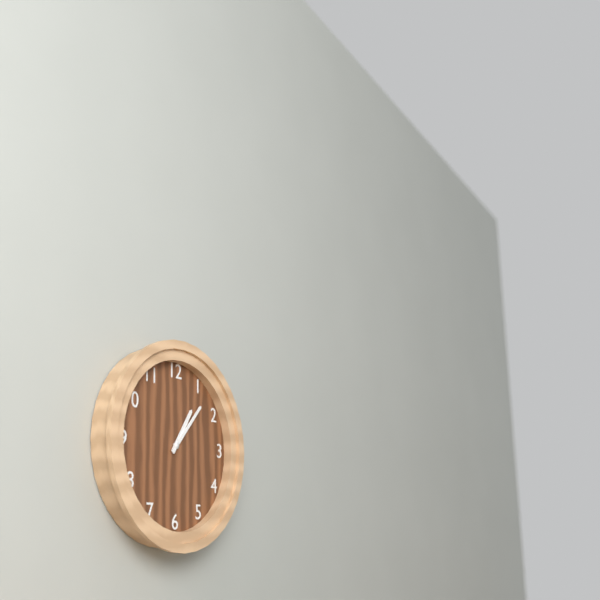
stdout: 1:07
